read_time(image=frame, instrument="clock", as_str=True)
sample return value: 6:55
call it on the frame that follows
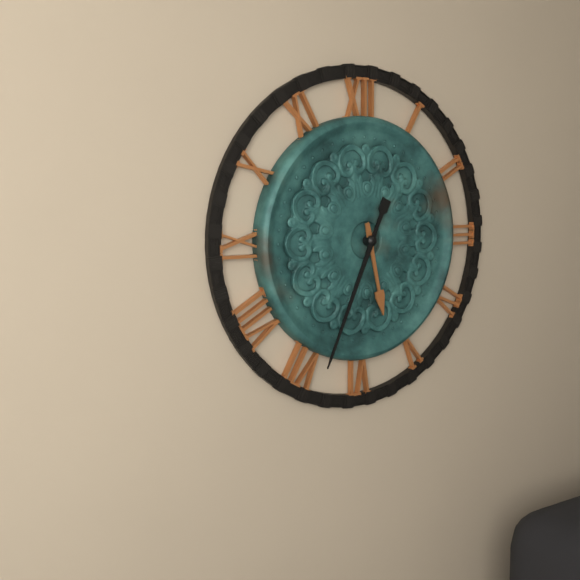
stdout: 5:34
